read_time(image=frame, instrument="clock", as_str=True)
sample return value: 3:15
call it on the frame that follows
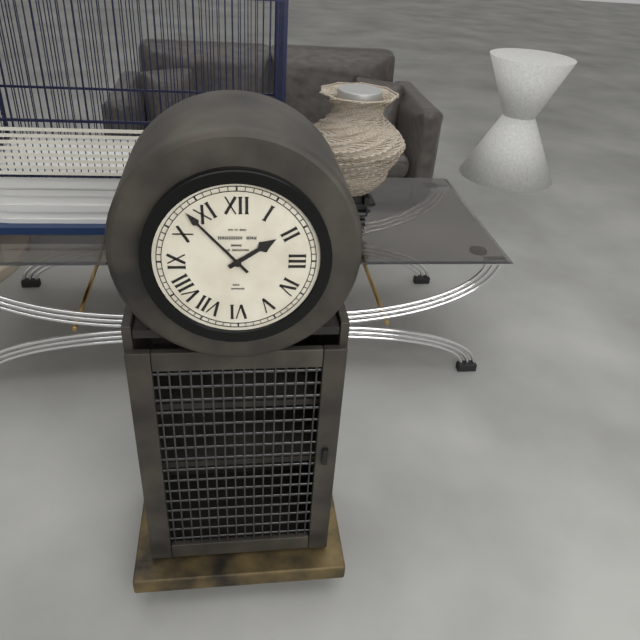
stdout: 1:53
